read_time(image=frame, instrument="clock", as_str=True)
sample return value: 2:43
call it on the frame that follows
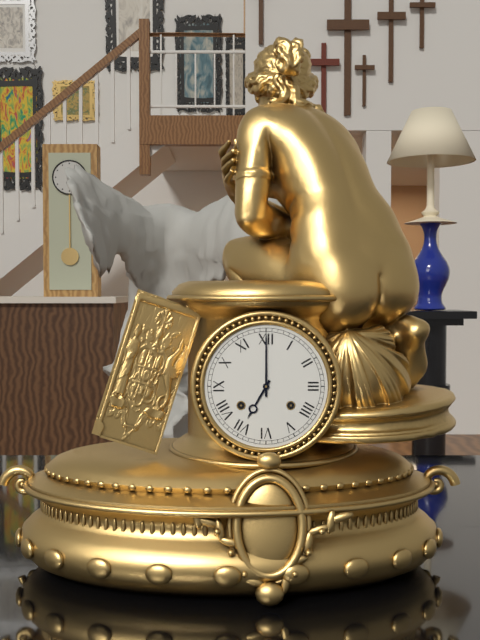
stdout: 7:00
